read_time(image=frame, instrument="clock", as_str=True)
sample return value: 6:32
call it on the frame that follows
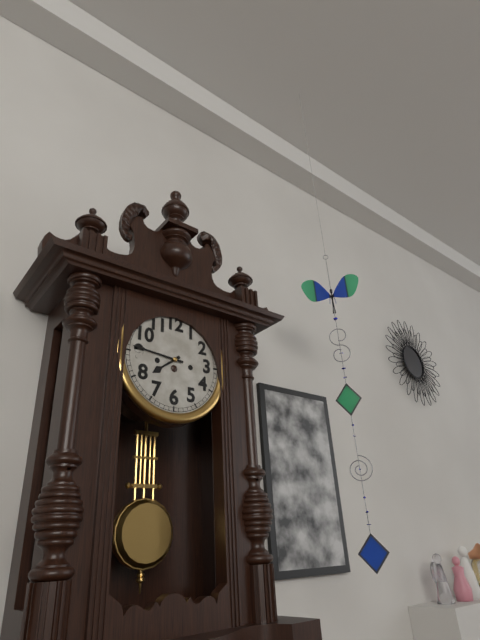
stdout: 7:46
